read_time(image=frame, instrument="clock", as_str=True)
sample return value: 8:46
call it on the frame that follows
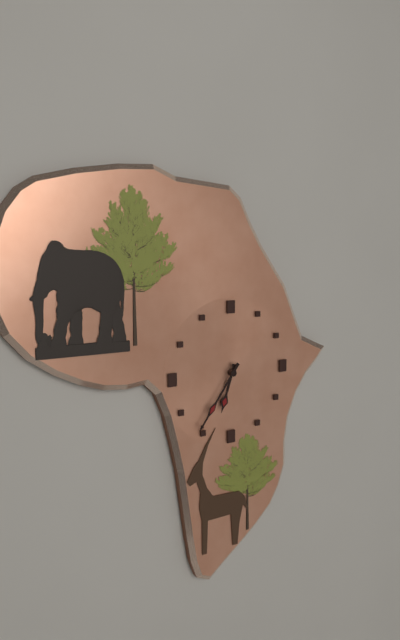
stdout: 6:36
